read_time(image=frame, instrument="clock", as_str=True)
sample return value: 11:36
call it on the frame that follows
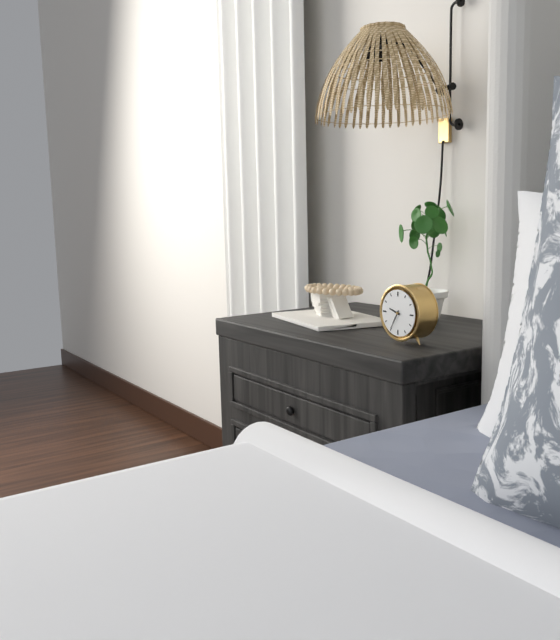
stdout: 9:35
